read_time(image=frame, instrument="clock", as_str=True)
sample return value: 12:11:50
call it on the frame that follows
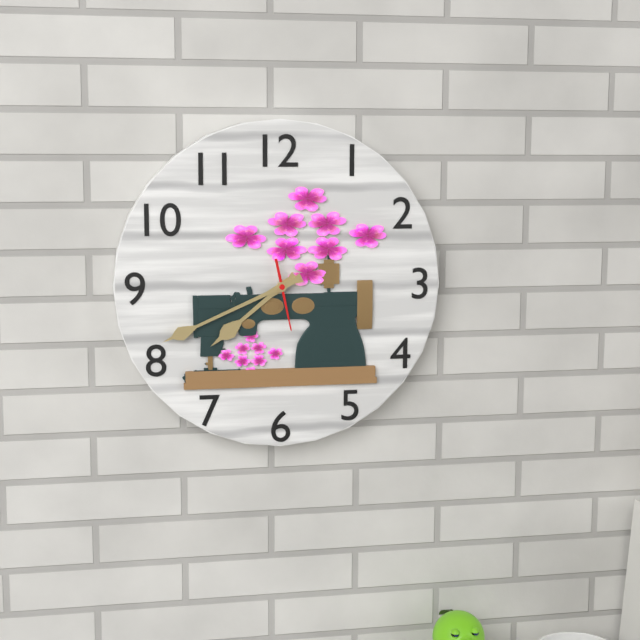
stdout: 7:41:28
